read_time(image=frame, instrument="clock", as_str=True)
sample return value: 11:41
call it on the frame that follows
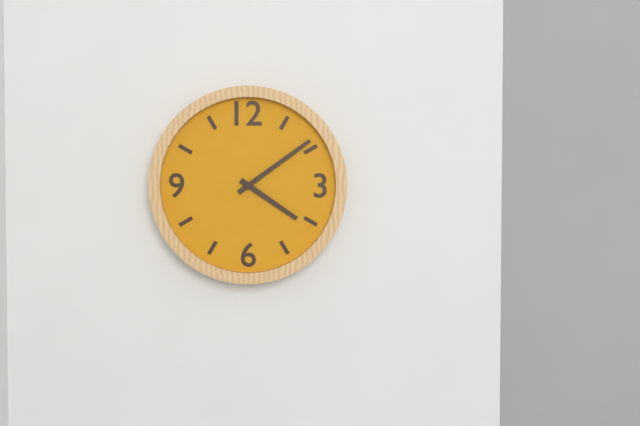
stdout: 4:09
